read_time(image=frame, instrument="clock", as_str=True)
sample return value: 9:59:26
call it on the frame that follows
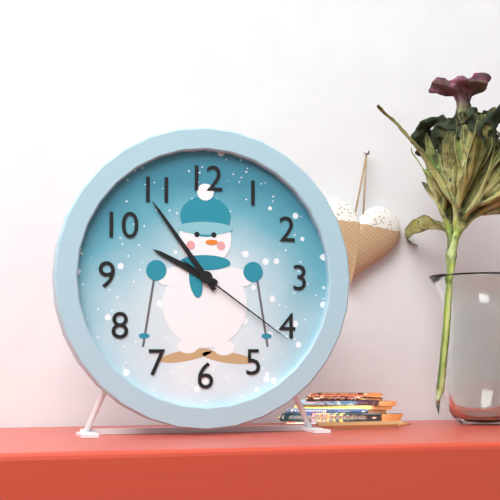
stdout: 9:54:21
